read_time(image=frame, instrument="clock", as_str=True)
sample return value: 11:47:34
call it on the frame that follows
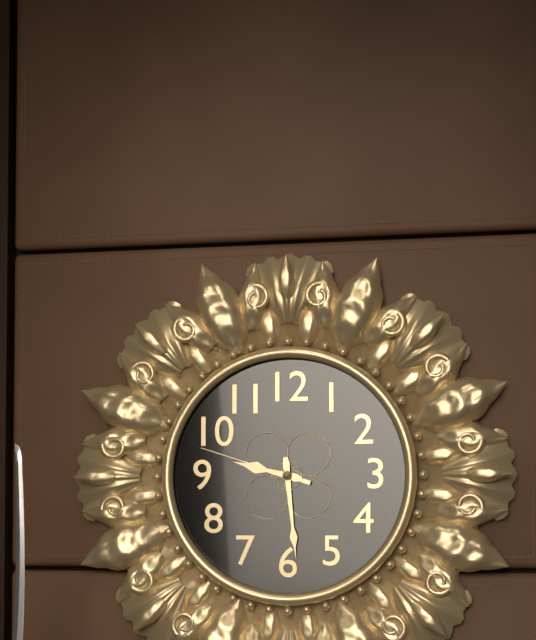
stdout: 9:29:48
